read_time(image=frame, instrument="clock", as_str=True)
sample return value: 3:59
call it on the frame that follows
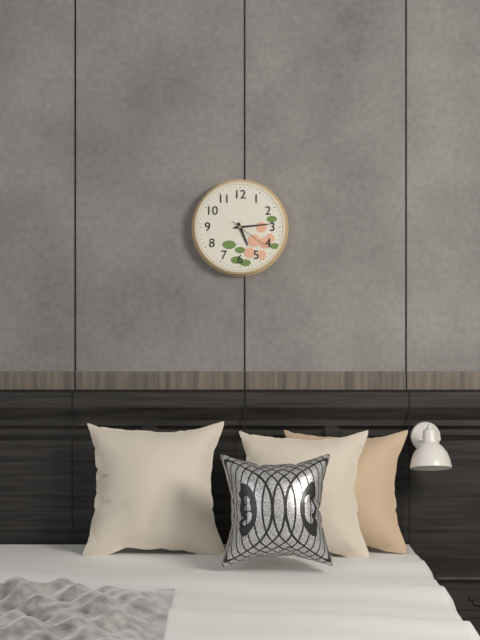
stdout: 5:14
